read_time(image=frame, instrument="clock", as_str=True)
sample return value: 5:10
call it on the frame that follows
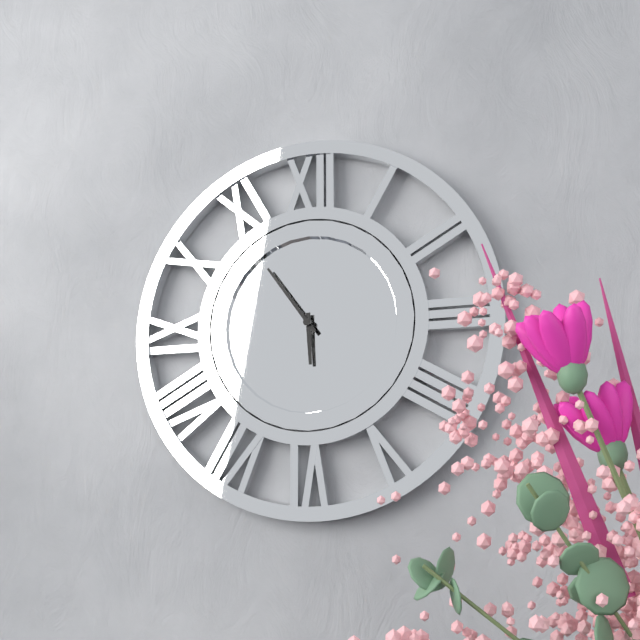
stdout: 5:54
